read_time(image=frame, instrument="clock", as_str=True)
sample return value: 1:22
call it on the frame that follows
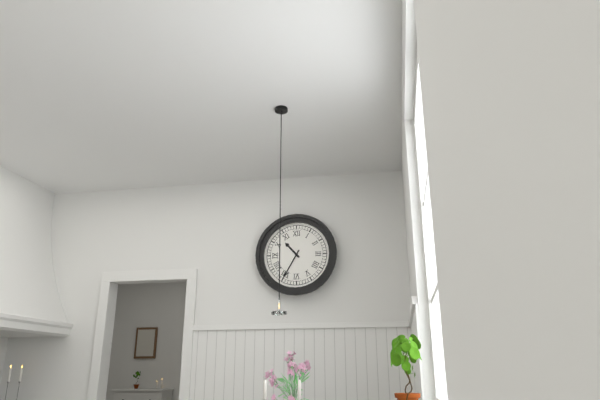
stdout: 10:35
